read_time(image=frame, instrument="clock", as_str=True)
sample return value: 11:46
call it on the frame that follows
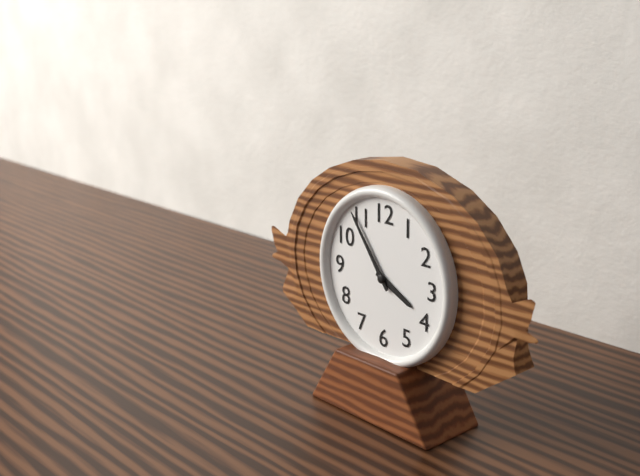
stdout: 3:54
